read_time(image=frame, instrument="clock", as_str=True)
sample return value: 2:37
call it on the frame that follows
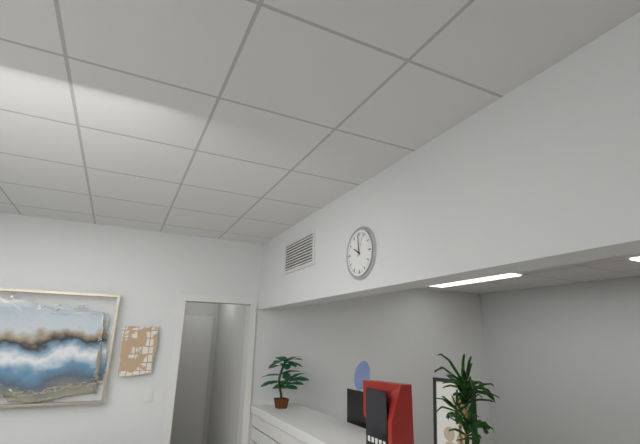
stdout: 9:59
